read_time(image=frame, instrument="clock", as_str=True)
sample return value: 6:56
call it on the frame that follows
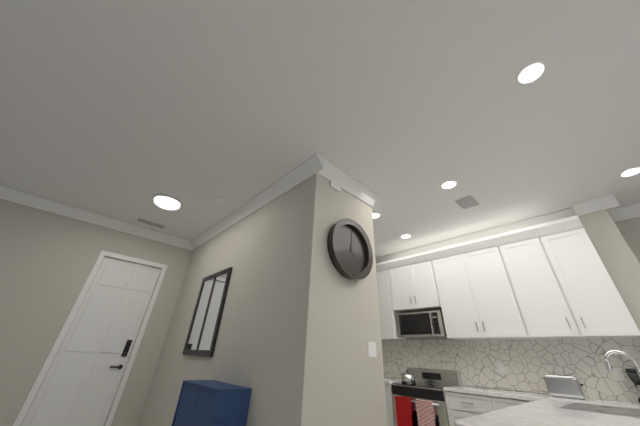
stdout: 5:01
